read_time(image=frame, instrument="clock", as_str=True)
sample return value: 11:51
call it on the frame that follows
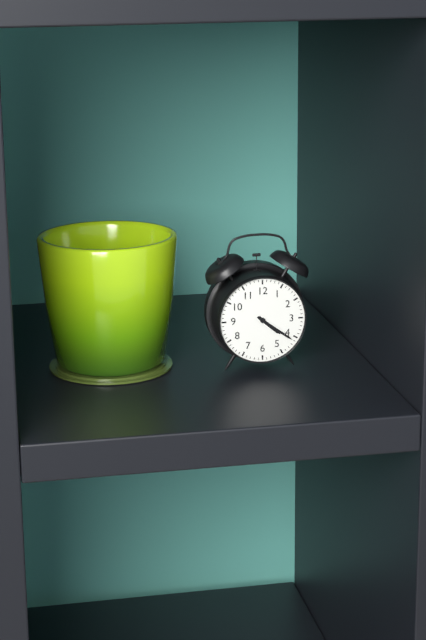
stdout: 4:21
